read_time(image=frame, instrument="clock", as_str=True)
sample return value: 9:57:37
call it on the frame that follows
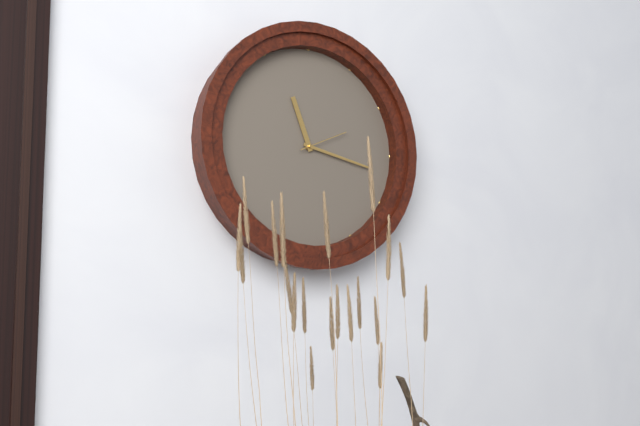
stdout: 11:17:11
